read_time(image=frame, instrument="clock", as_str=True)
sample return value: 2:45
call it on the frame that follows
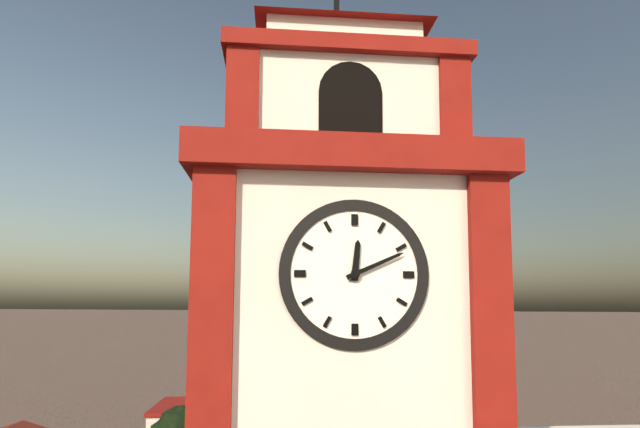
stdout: 12:11
